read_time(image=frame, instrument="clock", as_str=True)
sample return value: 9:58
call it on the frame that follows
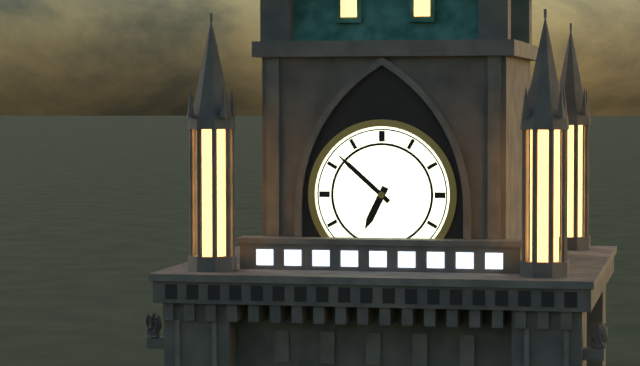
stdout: 6:52
